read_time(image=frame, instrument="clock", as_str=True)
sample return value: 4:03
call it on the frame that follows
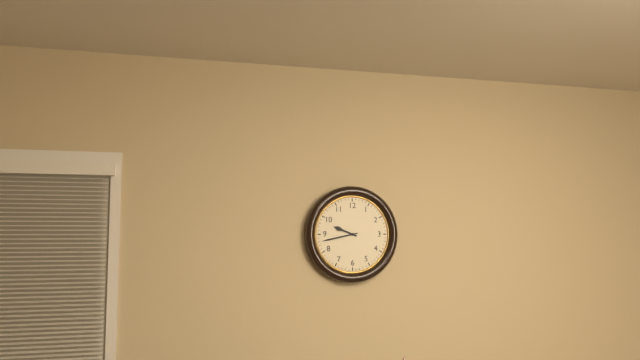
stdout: 9:43
